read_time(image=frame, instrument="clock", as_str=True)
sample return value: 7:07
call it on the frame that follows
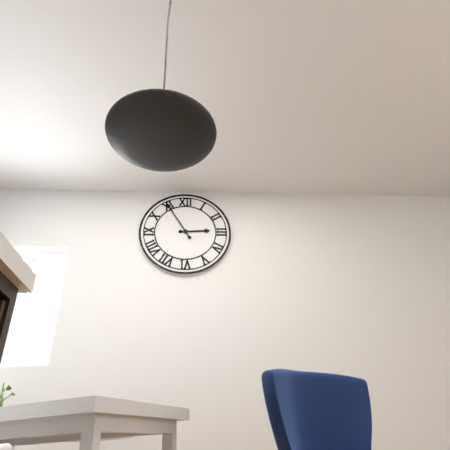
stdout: 2:55
